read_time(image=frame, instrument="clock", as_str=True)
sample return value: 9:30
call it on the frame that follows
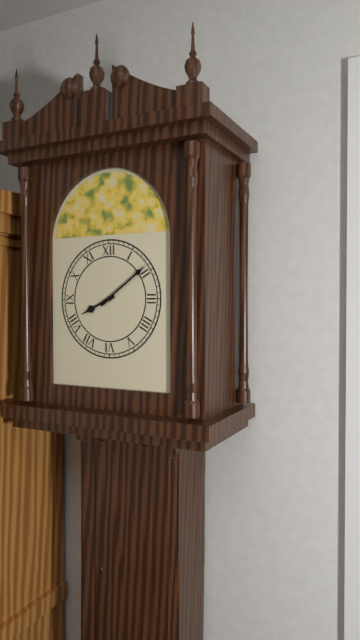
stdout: 8:09
